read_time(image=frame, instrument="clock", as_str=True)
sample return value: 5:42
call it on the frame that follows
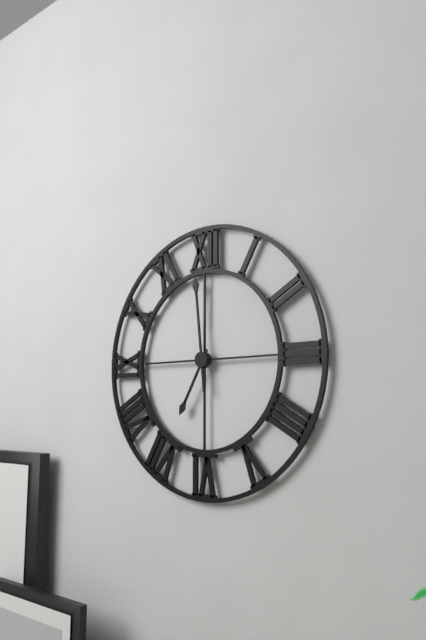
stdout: 6:59
